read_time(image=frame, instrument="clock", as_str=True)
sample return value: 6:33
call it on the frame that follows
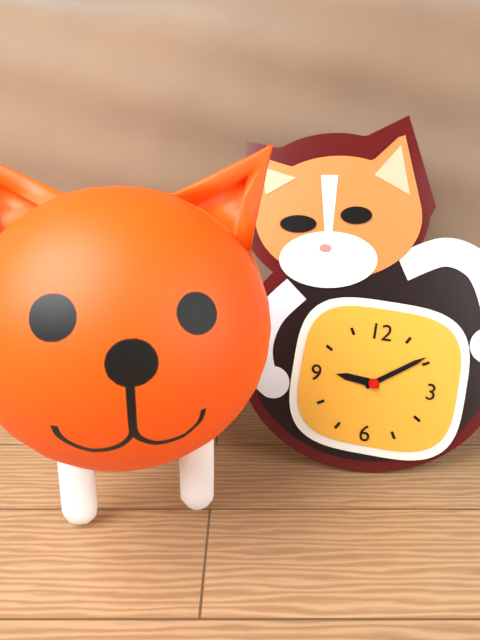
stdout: 9:09
